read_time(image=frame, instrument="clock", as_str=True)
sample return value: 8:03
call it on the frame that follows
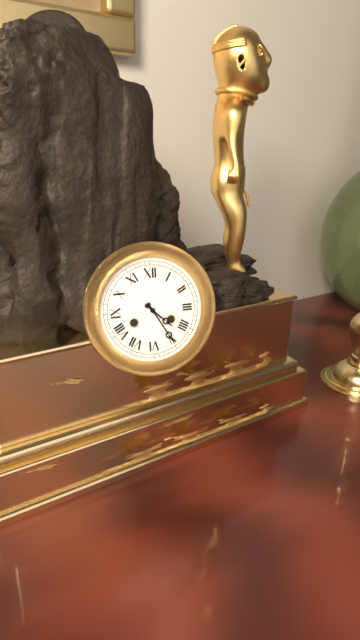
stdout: 4:25
